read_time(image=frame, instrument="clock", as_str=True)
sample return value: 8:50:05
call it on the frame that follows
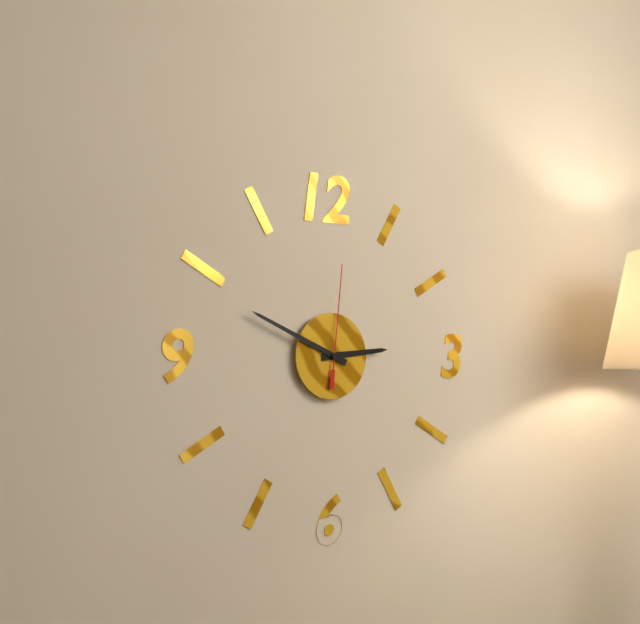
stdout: 2:49:01
